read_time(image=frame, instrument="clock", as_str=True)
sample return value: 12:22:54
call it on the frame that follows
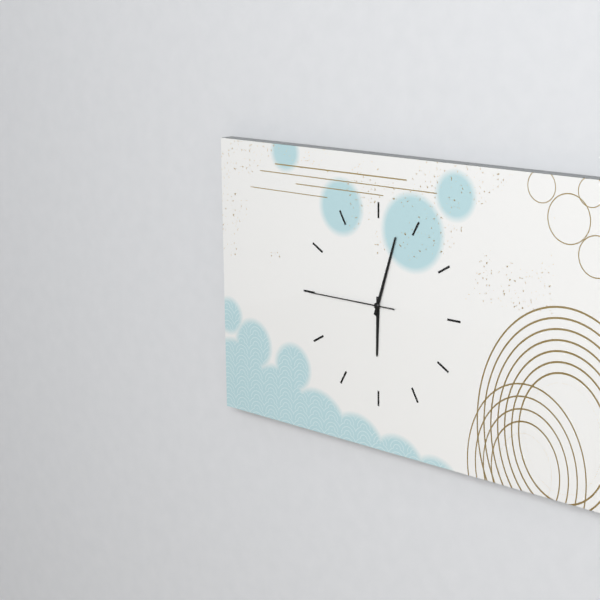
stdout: 6:03:45
